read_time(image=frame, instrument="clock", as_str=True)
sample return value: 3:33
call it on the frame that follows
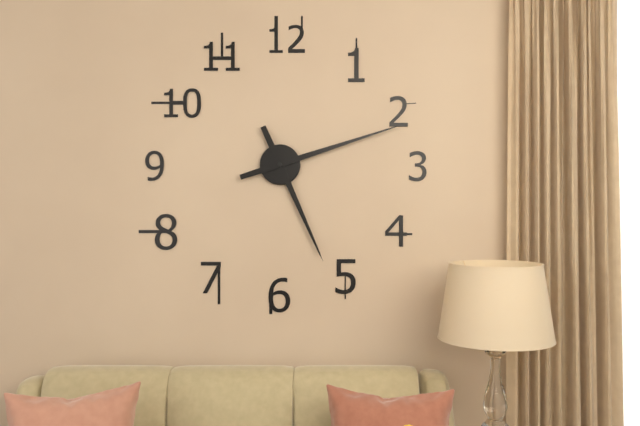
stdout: 5:12
